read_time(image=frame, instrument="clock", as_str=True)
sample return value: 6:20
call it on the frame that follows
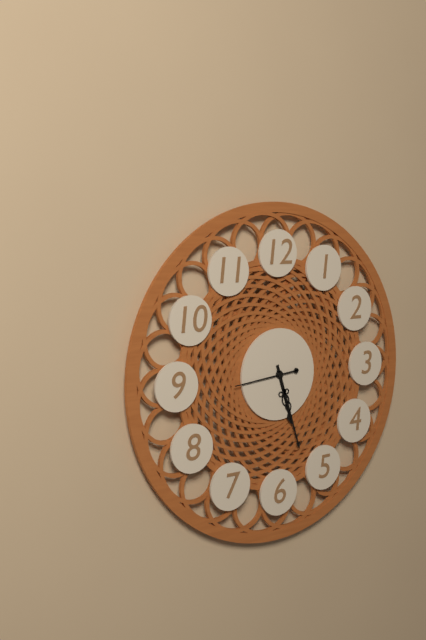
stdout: 5:27
